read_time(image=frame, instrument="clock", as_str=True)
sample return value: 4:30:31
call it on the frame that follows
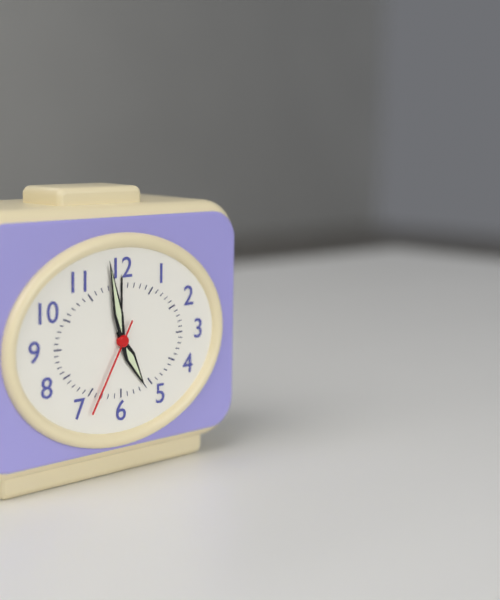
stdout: 4:58:35
